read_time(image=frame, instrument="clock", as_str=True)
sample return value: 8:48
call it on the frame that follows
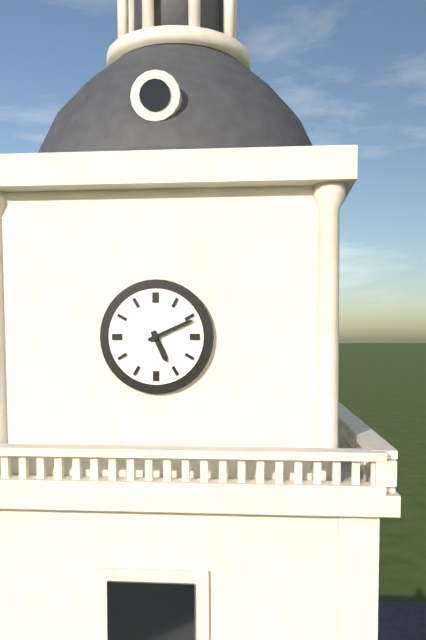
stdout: 5:11
